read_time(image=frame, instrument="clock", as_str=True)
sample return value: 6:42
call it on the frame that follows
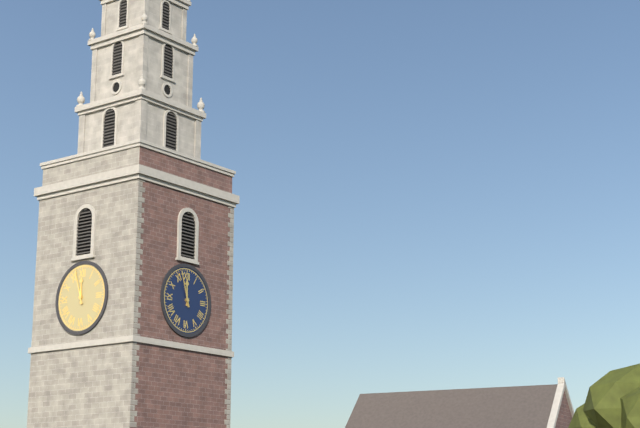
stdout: 11:57
